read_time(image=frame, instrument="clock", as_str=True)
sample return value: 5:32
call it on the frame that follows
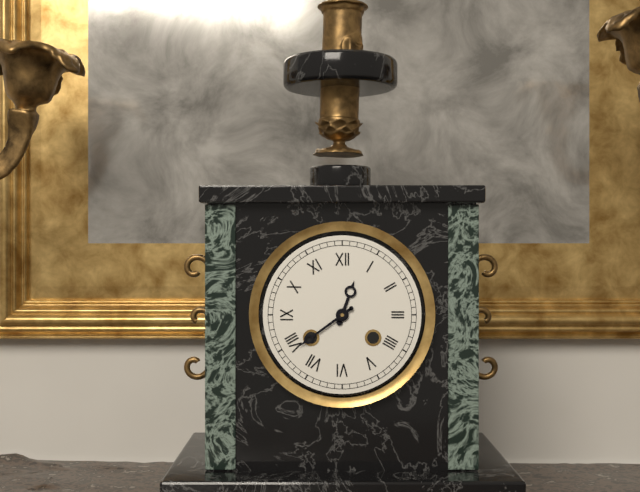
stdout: 12:39
